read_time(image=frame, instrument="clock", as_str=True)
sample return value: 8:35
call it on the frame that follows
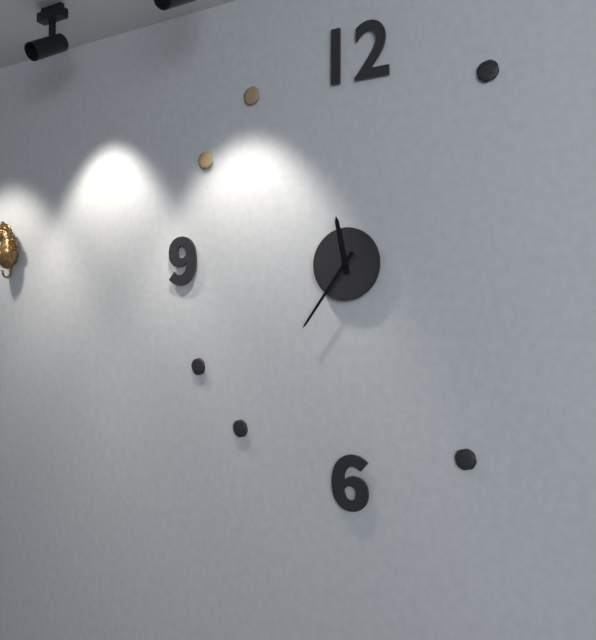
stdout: 11:36
